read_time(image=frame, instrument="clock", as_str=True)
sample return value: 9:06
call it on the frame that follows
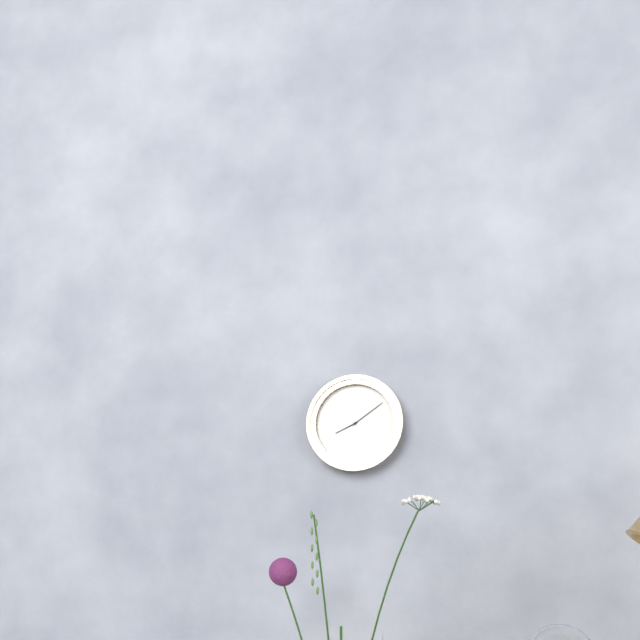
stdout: 8:09
